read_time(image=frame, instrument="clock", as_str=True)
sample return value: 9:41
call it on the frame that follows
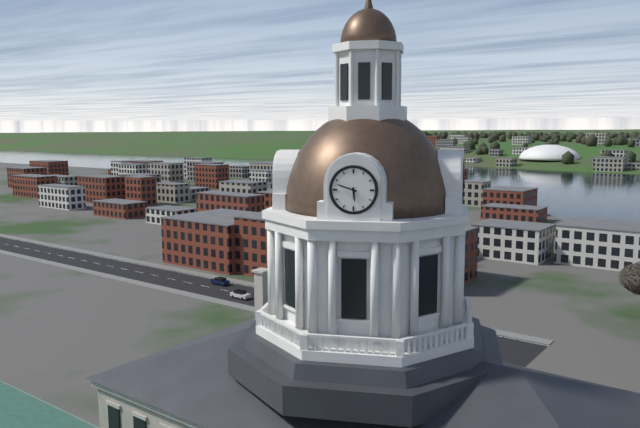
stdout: 5:48
